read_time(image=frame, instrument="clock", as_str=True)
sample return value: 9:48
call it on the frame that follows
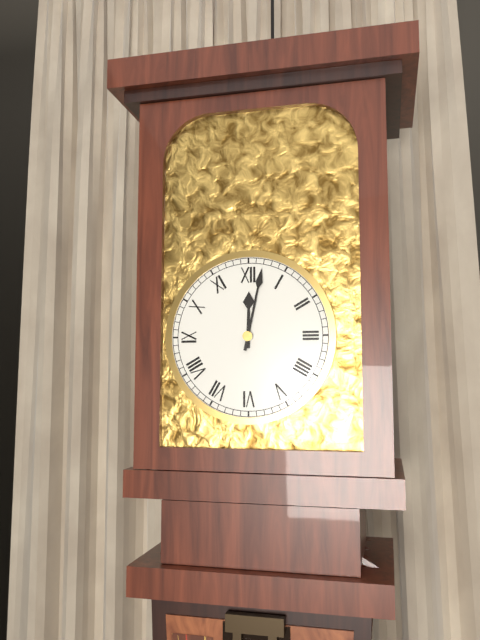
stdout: 12:02
